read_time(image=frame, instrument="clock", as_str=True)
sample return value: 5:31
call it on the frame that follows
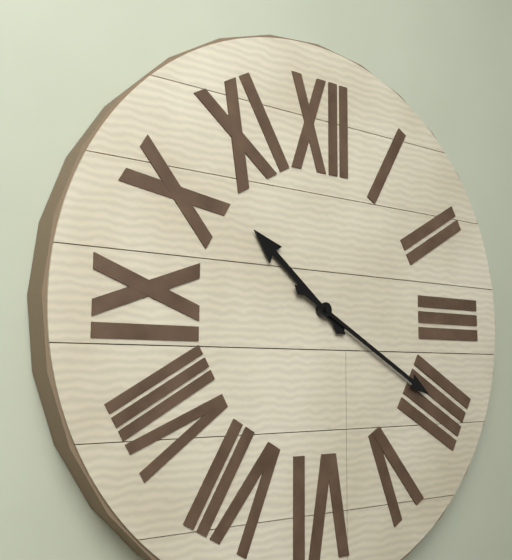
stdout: 10:20
